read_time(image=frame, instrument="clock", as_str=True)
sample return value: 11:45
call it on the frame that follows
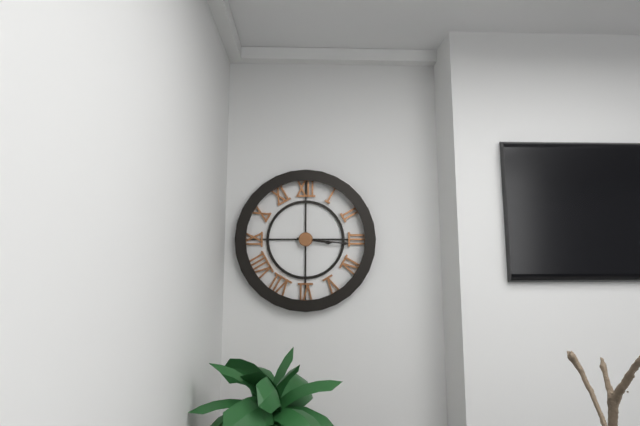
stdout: 3:16
